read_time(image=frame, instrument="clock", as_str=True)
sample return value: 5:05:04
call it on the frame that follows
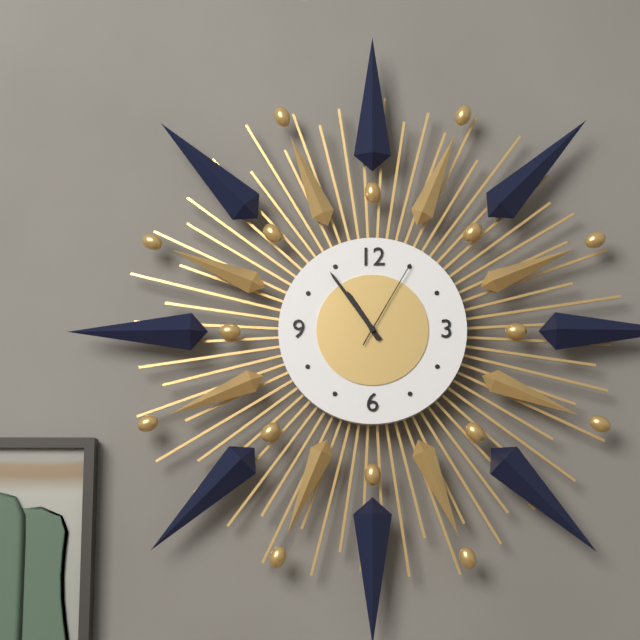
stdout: 10:54:05
